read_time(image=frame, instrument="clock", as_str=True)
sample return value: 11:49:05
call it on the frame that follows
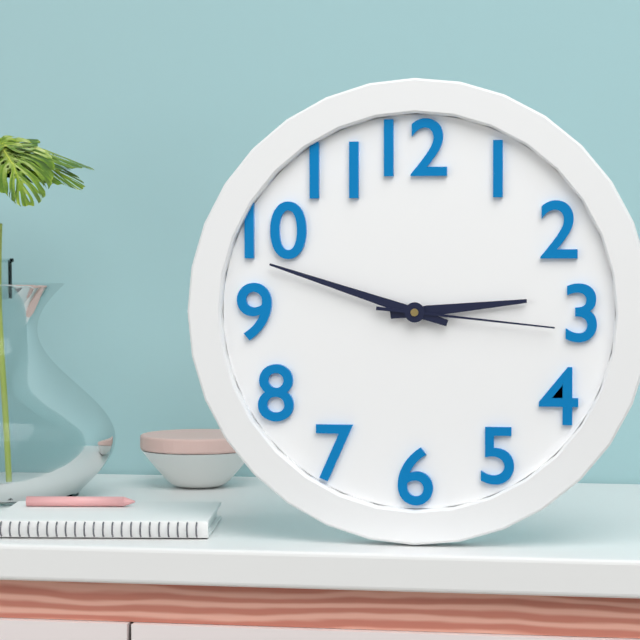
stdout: 2:48:16
